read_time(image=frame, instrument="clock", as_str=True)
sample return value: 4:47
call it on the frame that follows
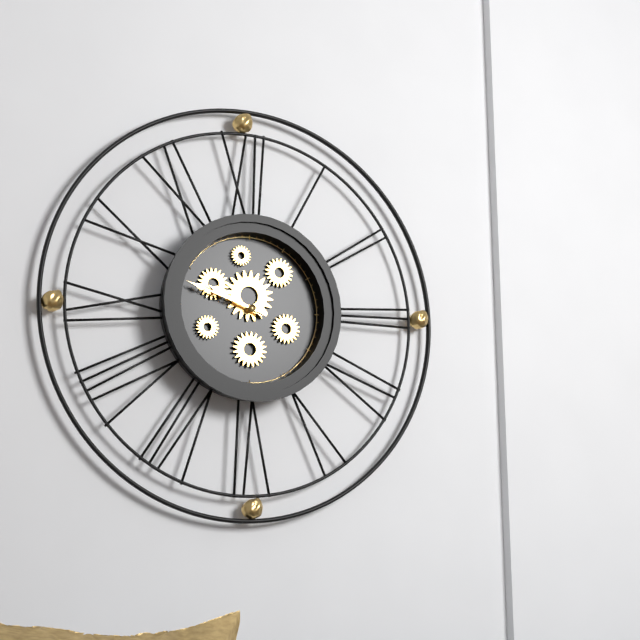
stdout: 9:48
